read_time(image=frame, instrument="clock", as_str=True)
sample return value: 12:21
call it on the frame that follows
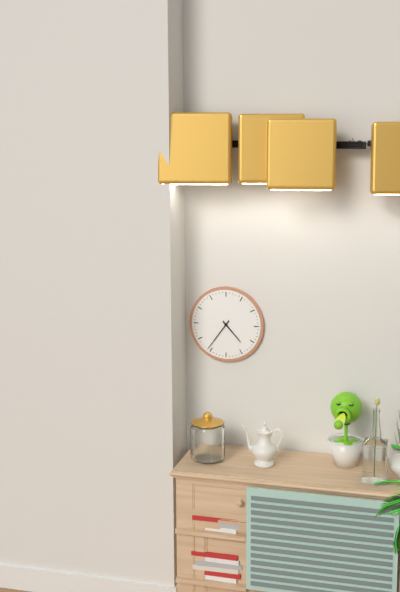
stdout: 4:36
